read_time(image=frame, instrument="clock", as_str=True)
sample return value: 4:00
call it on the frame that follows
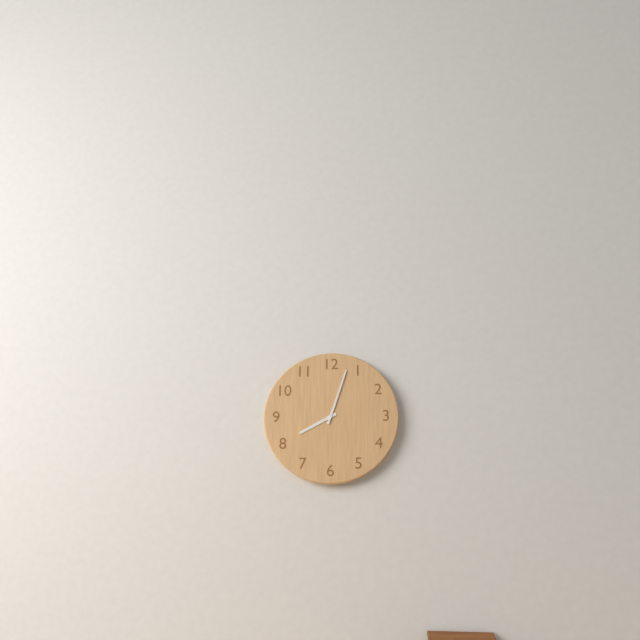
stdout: 8:03
